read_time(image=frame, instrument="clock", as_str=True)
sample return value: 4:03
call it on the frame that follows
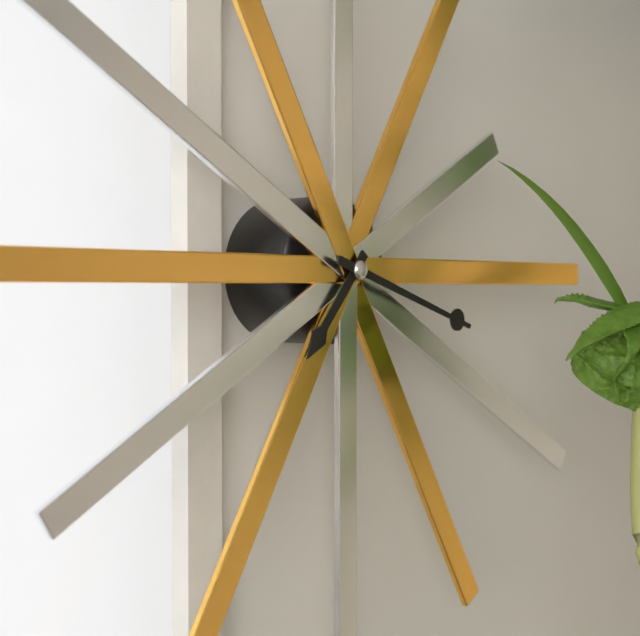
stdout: 7:18
